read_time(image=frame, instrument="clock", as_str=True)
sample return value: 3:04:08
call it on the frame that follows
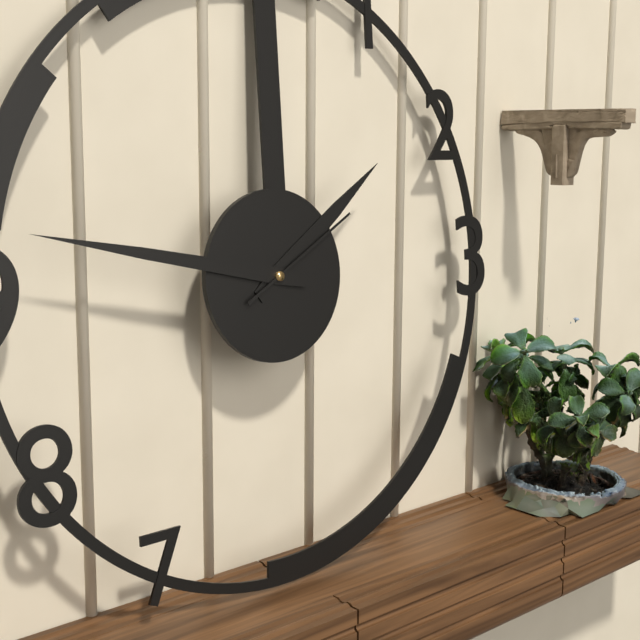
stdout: 1:47:10
